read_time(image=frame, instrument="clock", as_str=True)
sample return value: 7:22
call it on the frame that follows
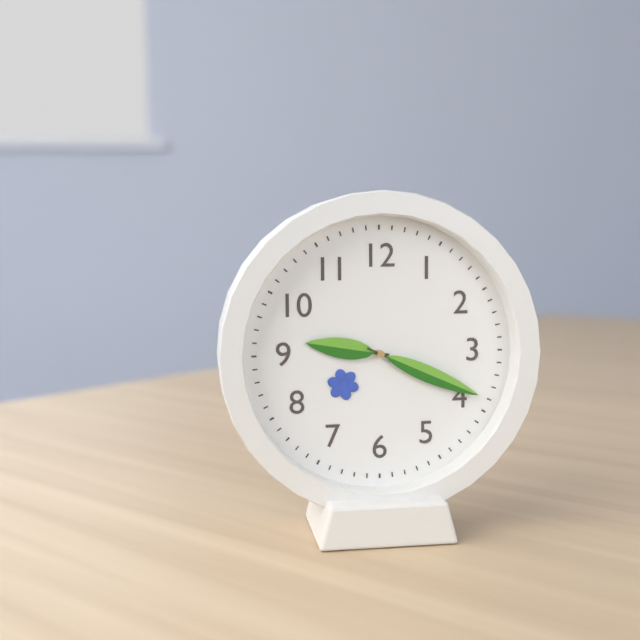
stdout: 9:19
